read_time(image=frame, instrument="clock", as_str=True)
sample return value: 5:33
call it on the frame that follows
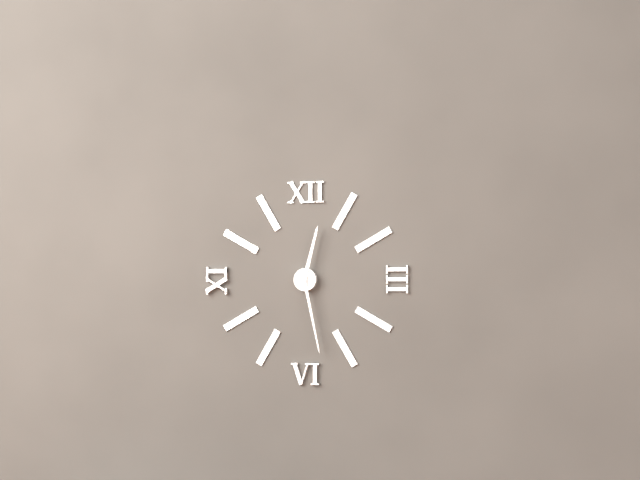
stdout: 12:28
